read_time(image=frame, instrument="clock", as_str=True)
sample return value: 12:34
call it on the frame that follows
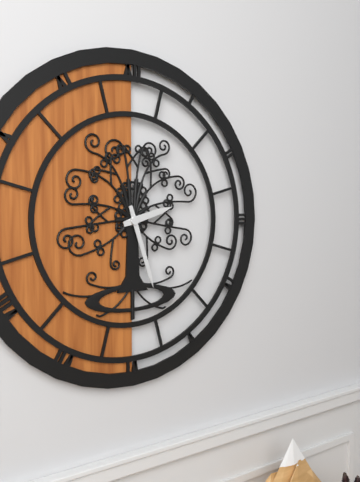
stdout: 2:27
